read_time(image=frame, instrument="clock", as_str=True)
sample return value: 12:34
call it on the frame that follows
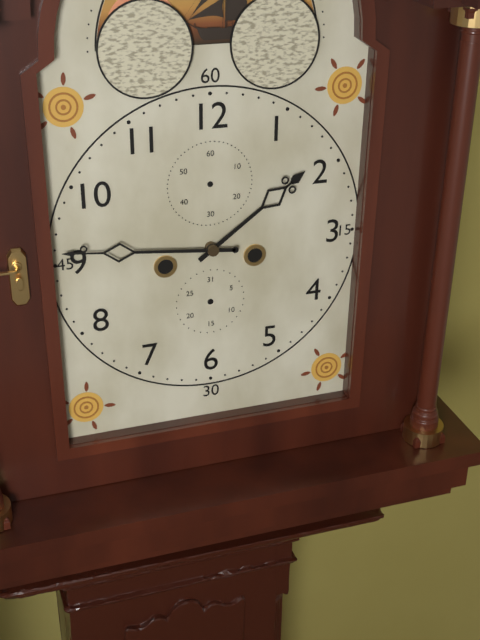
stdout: 1:46
